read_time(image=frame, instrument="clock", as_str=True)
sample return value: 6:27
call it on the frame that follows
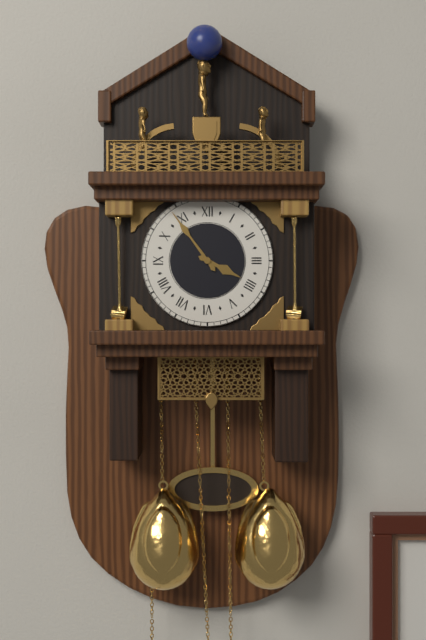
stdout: 3:54
